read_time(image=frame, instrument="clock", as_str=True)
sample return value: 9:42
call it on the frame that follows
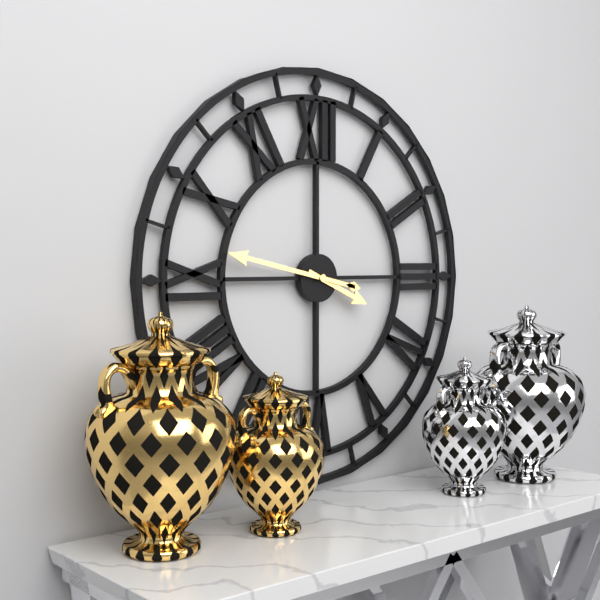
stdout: 3:47
